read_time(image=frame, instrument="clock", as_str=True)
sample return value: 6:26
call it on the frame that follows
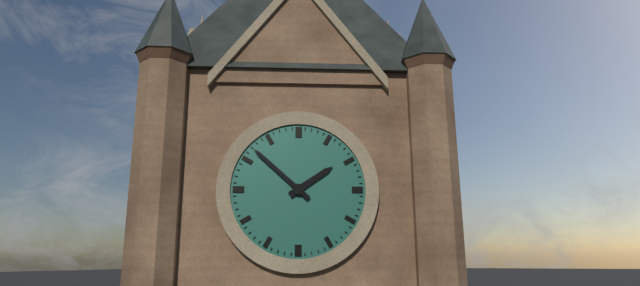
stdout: 1:52
